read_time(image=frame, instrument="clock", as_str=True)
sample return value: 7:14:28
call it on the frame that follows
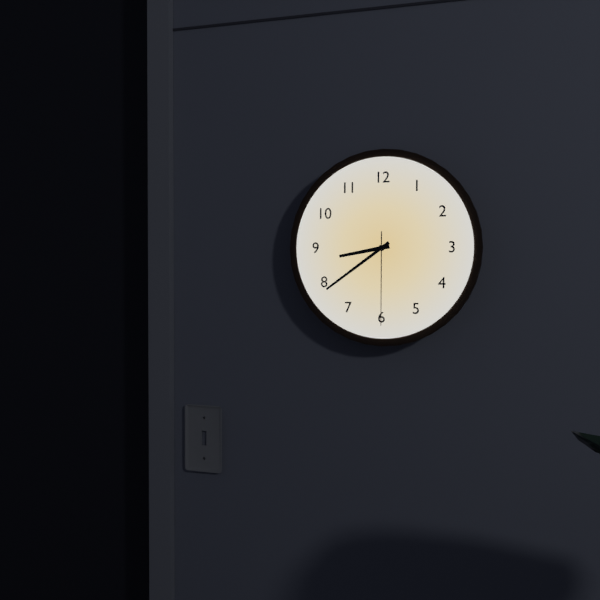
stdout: 8:39:30
